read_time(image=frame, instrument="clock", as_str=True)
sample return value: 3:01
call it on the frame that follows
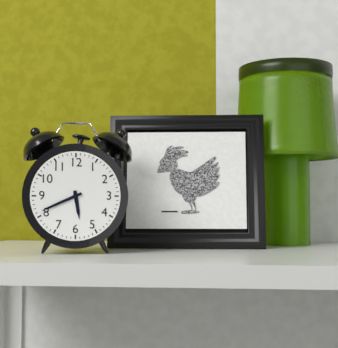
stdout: 5:41
